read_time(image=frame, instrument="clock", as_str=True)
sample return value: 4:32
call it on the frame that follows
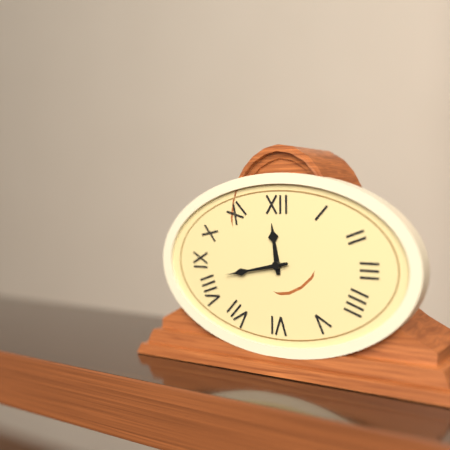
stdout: 11:43
